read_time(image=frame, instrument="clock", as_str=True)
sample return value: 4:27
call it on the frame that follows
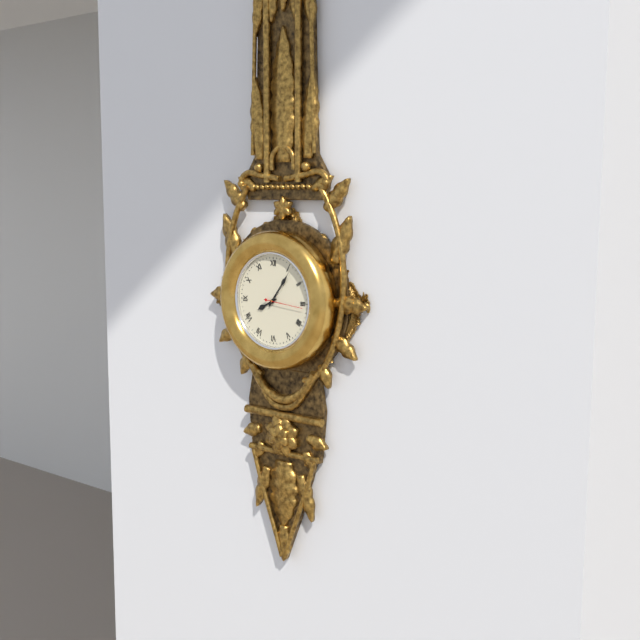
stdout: 8:06
